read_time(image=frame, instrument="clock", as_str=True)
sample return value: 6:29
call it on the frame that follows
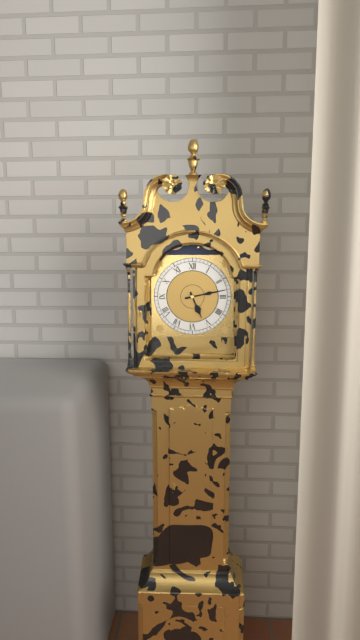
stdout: 5:13
